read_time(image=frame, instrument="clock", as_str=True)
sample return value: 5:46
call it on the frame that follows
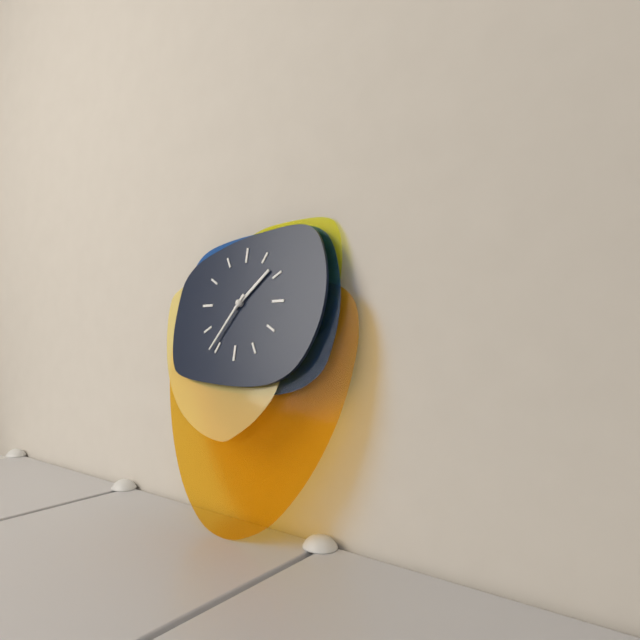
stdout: 1:36
